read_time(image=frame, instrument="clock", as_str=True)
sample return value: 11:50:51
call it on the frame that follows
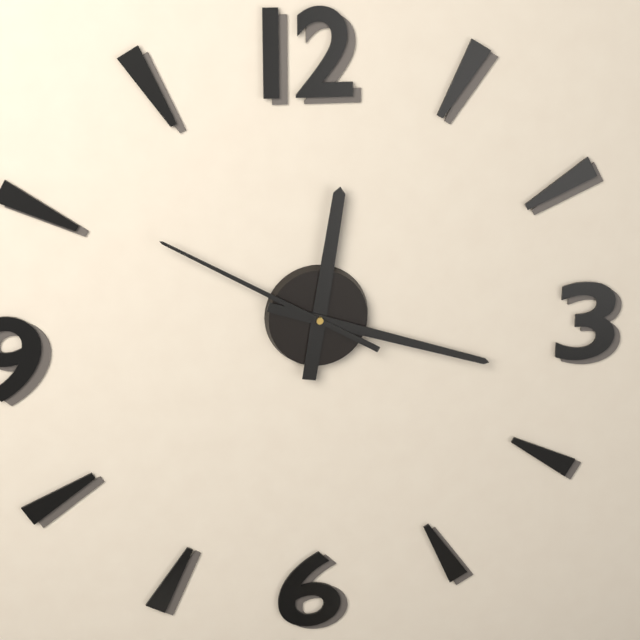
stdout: 12:18:50
